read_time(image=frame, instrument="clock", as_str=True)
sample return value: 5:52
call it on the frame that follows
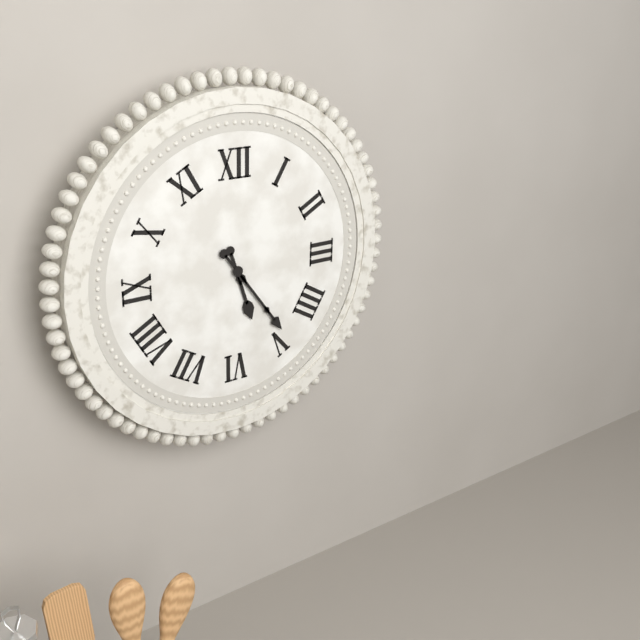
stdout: 5:24
